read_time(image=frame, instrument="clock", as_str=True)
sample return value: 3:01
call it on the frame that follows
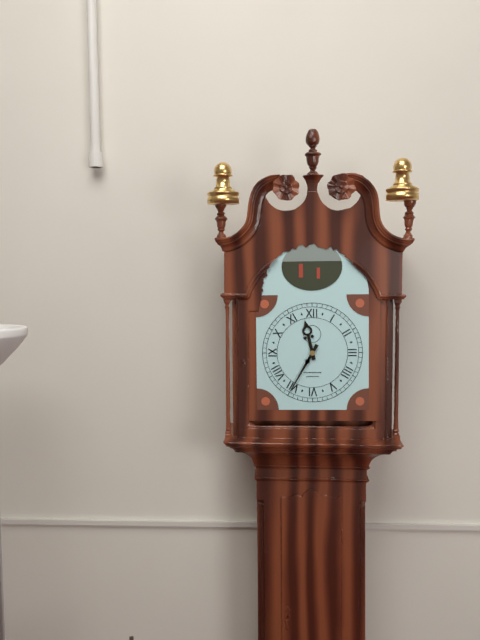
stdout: 11:35
